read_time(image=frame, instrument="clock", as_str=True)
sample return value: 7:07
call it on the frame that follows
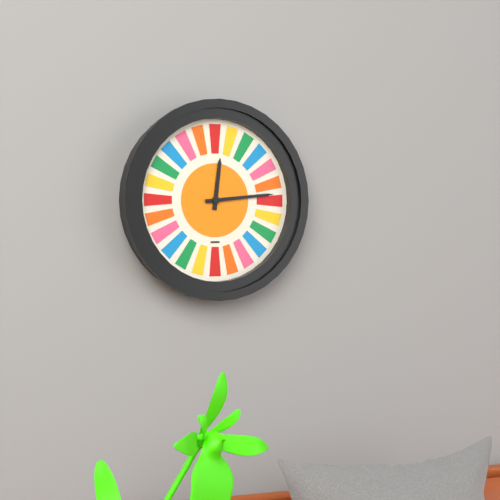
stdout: 12:14
